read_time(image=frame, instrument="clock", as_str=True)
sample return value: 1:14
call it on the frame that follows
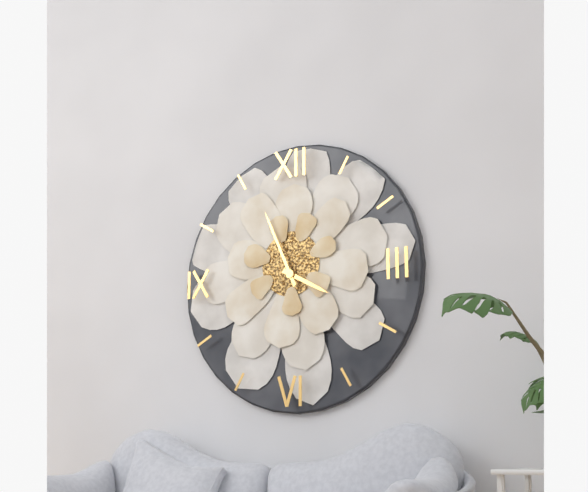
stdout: 3:56
